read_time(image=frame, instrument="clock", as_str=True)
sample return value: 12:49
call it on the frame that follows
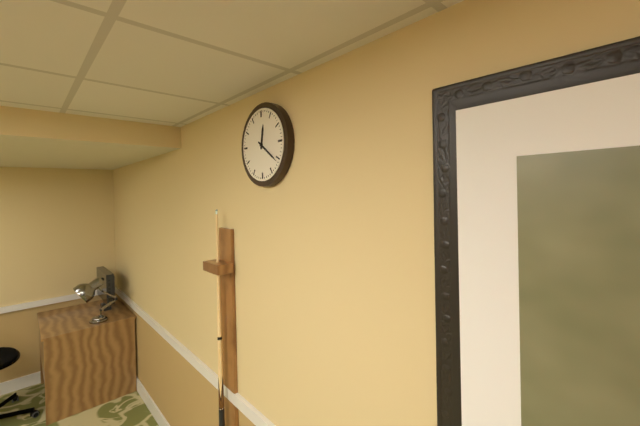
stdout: 12:21
